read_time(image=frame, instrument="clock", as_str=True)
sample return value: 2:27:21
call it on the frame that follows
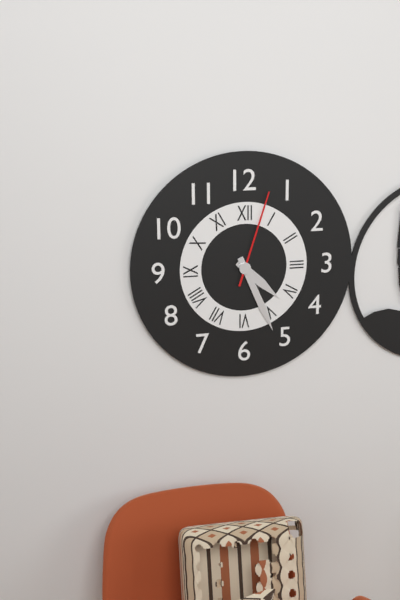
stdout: 4:26:03
